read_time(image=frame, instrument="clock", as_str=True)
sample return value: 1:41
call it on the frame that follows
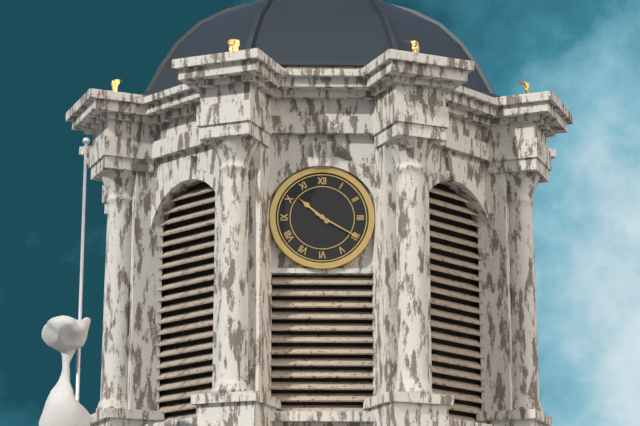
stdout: 10:20
